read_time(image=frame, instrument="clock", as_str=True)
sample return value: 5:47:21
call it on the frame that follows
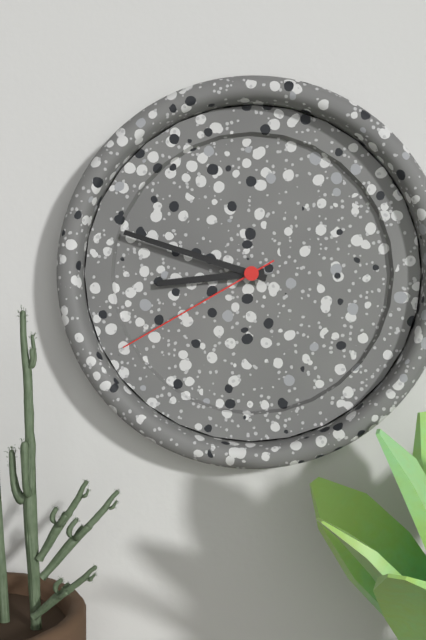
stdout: 8:48:40
